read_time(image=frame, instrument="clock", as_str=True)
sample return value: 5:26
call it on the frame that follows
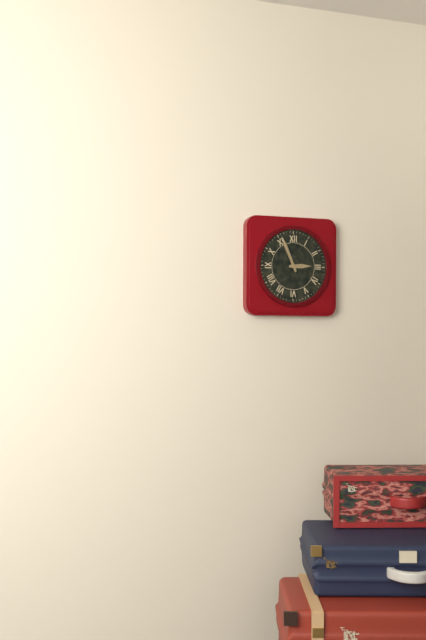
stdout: 2:56
